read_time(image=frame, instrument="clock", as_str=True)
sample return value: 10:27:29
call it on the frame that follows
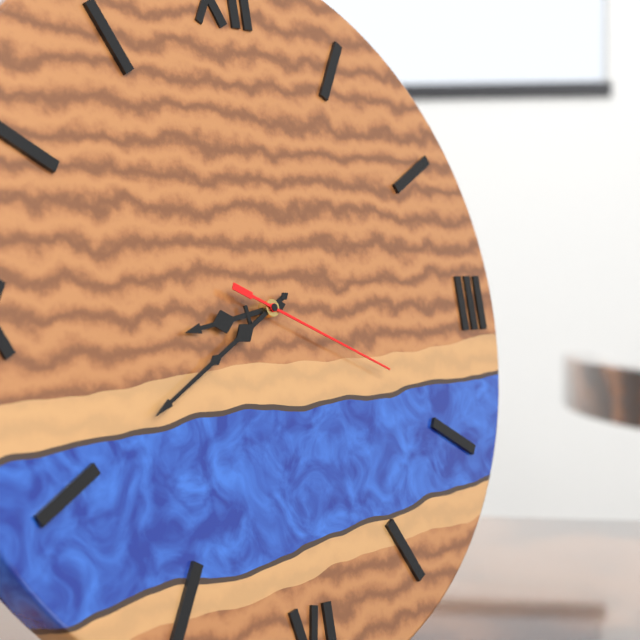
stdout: 8:40:19
